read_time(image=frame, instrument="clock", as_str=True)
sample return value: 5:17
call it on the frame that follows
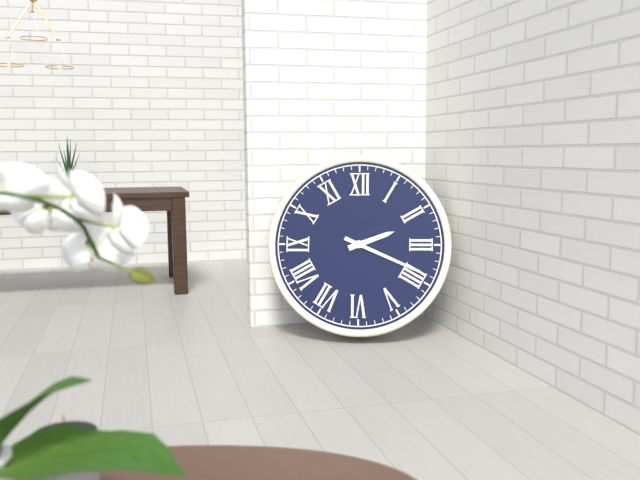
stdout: 2:19
